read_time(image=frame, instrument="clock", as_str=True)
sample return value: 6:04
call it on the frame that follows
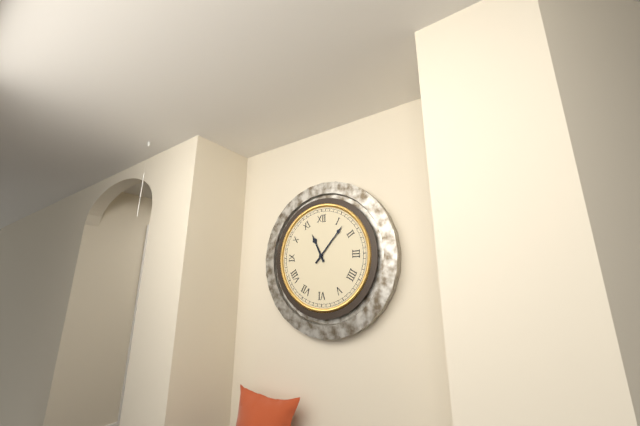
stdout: 11:07
